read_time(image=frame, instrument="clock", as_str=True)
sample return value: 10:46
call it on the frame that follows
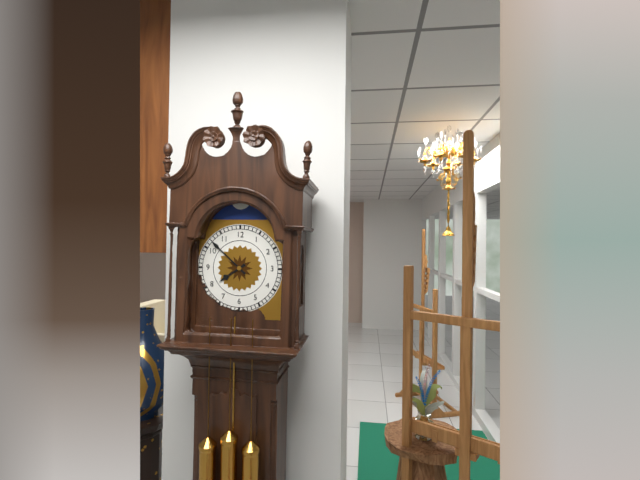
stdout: 7:52
